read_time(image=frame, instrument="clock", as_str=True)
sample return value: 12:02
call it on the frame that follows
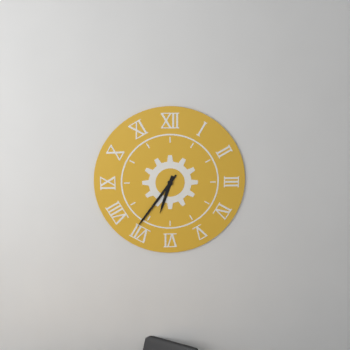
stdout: 6:36
